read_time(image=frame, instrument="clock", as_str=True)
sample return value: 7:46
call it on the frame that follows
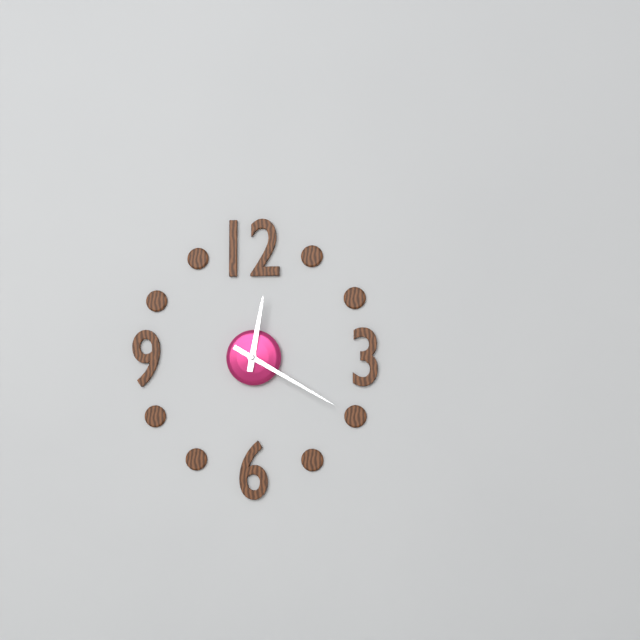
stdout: 12:20
